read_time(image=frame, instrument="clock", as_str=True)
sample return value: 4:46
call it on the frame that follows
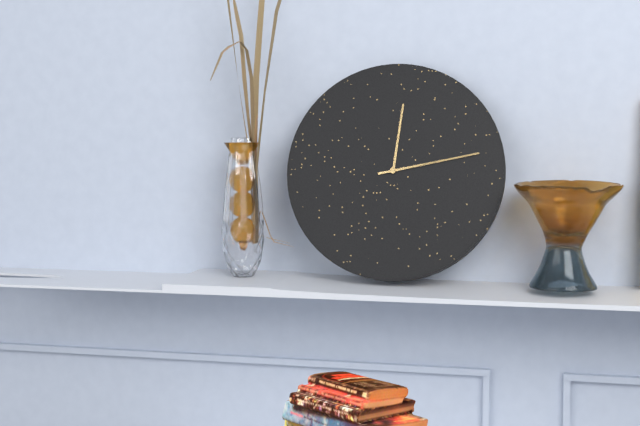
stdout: 12:13
